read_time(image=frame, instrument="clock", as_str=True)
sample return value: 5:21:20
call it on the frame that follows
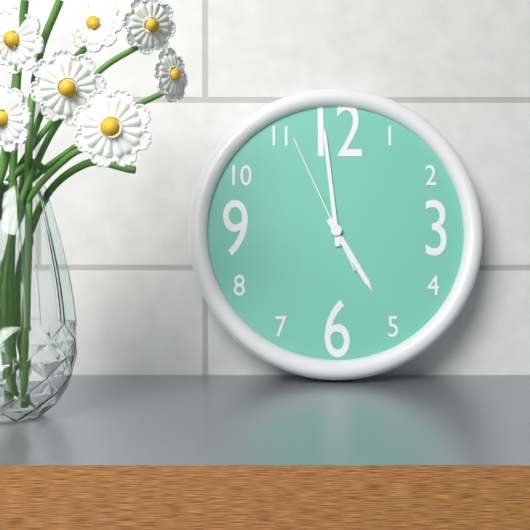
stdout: 4:59:56
